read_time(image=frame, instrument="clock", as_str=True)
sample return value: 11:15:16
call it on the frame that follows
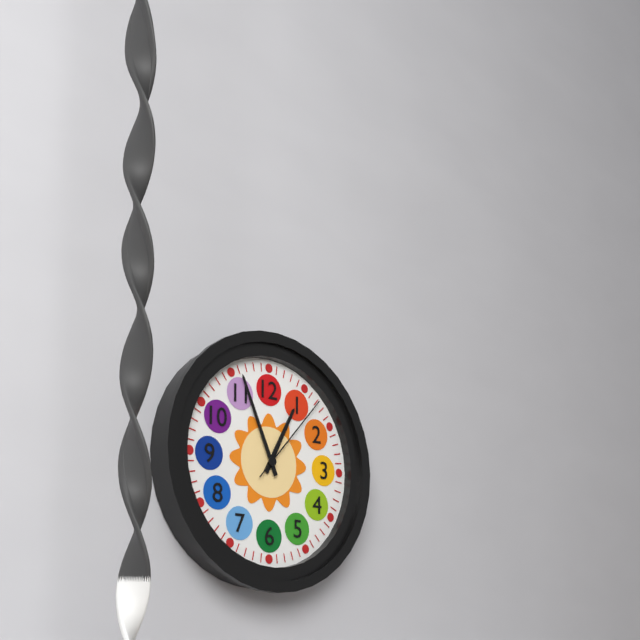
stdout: 12:56:07
